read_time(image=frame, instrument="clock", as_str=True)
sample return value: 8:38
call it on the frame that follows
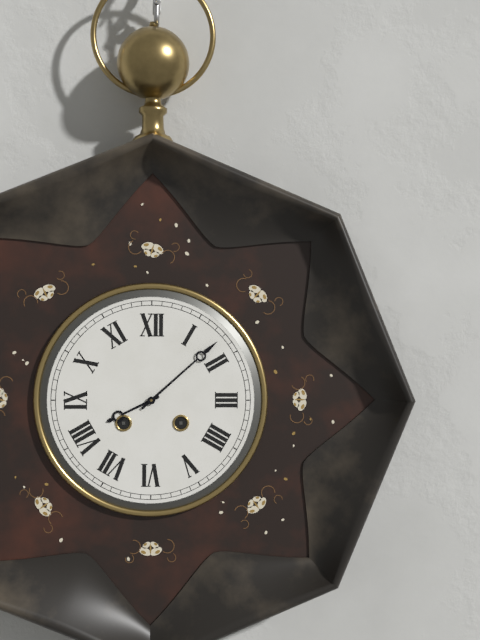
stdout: 8:08
